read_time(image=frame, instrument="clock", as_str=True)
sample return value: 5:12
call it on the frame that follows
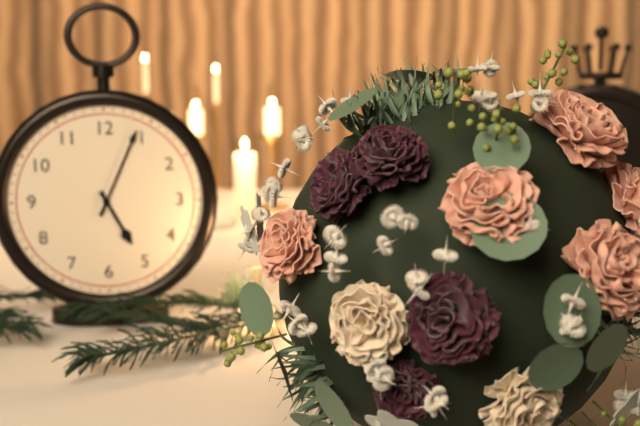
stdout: 5:04
